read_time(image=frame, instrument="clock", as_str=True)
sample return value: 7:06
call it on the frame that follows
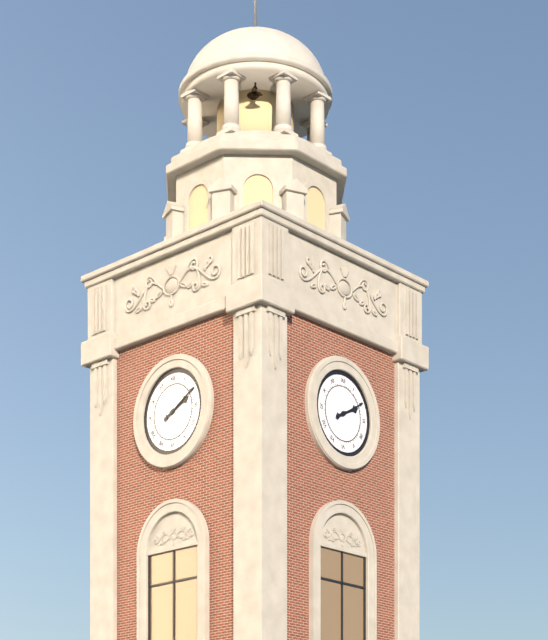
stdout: 2:10
